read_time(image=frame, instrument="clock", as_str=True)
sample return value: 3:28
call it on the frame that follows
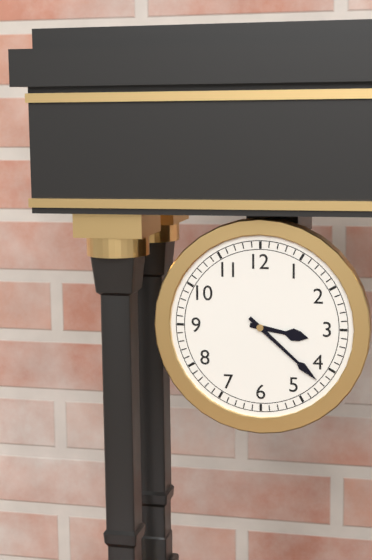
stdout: 3:22
